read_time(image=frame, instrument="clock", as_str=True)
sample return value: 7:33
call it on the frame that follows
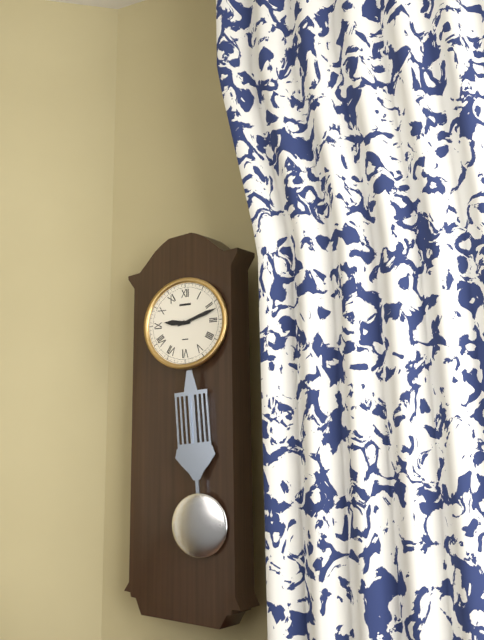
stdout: 9:12
